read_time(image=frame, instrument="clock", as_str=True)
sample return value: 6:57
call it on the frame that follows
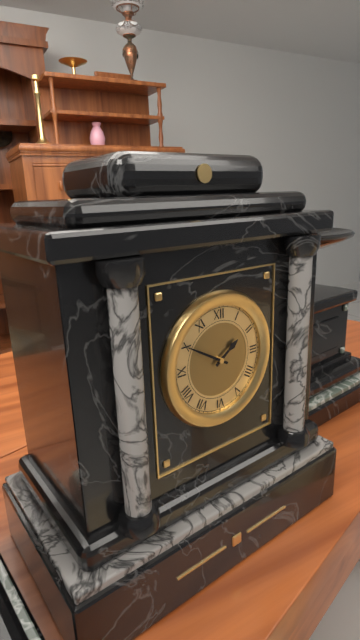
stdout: 1:50
